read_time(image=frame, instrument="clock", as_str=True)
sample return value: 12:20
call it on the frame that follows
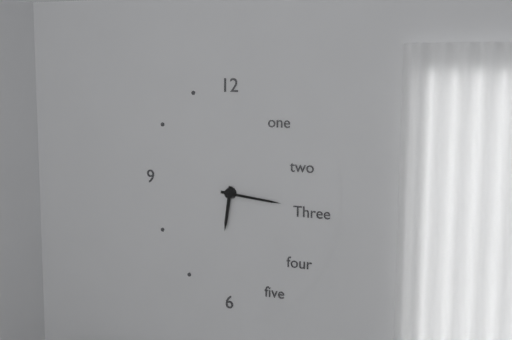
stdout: 6:16
